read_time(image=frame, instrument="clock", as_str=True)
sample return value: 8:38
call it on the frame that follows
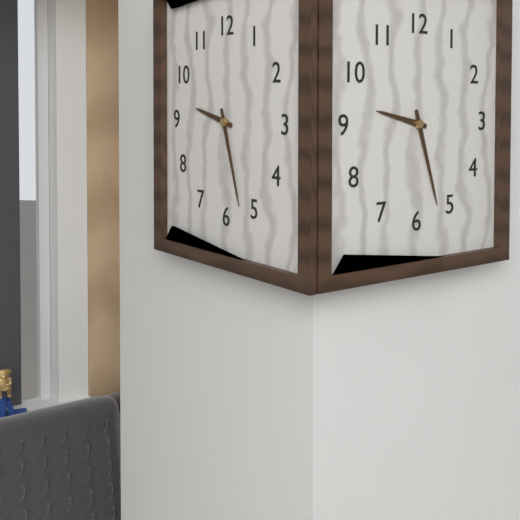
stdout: 9:27
